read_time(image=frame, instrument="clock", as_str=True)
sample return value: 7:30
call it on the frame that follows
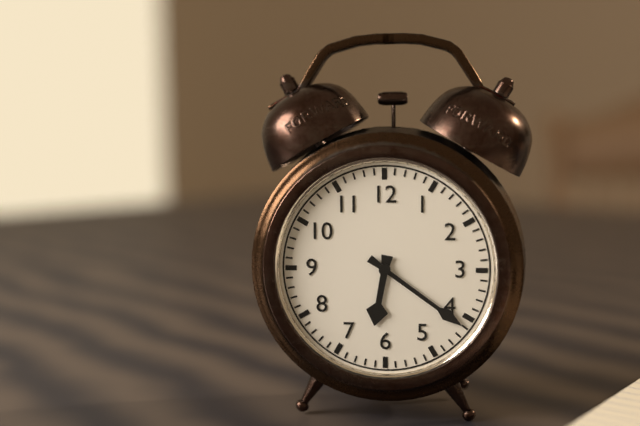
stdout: 6:21
